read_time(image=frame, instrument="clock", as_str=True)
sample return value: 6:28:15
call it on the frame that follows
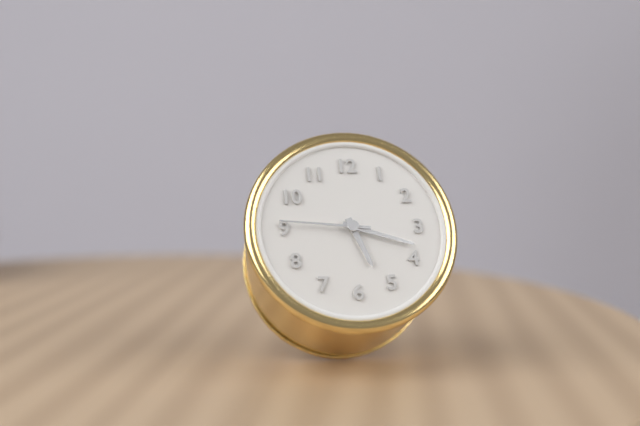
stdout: 5:18:46
